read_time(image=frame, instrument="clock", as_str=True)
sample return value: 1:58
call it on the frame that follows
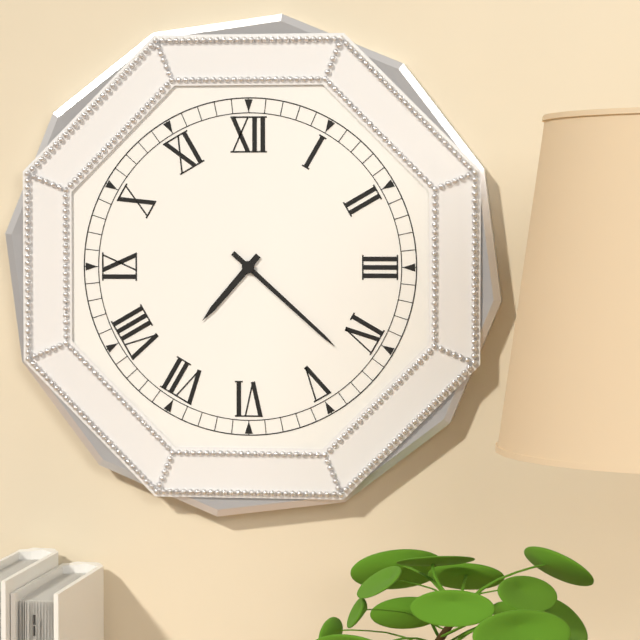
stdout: 7:22
